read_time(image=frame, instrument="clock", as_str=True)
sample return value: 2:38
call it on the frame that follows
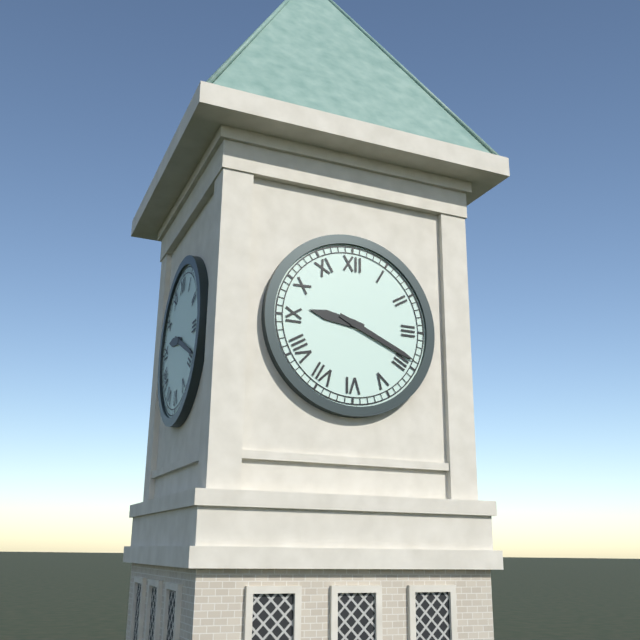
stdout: 9:19
